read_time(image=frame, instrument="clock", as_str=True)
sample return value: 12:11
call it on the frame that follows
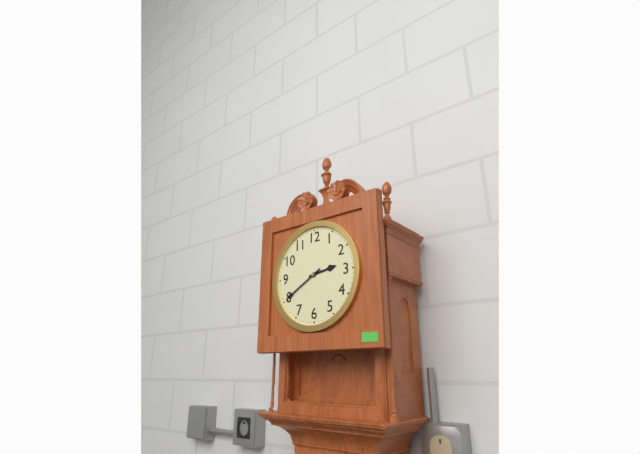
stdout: 2:40
